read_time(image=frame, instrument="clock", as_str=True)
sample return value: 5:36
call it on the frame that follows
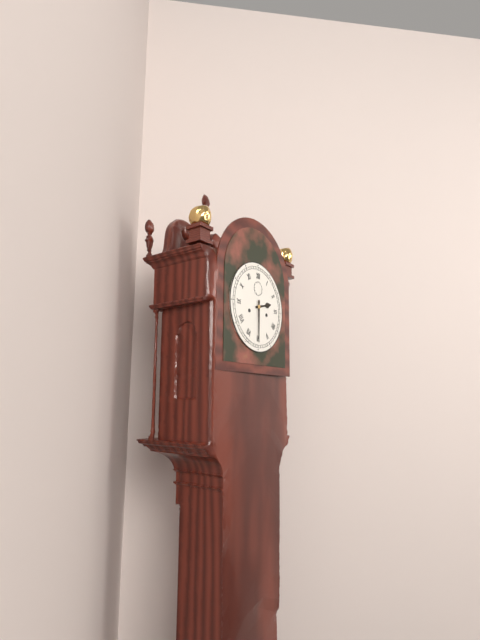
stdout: 2:30
